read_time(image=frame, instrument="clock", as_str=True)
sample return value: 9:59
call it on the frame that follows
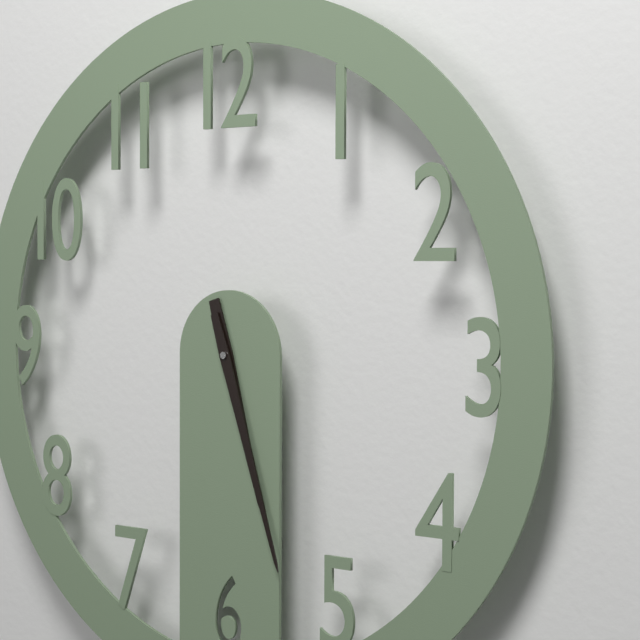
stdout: 5:27
